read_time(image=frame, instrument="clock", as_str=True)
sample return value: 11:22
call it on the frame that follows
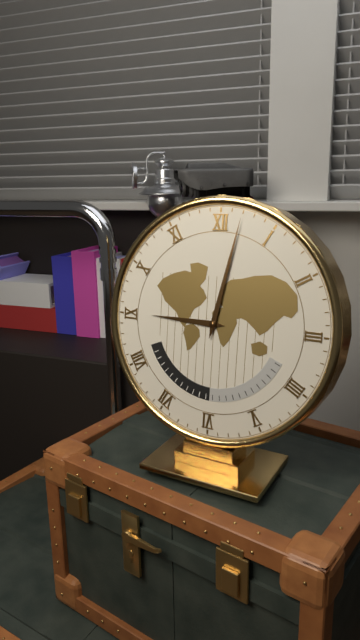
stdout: 9:02
